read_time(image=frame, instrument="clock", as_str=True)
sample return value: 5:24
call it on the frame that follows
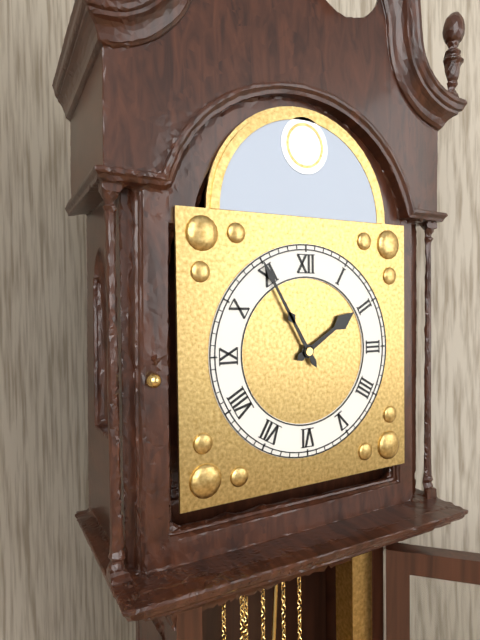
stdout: 1:55
